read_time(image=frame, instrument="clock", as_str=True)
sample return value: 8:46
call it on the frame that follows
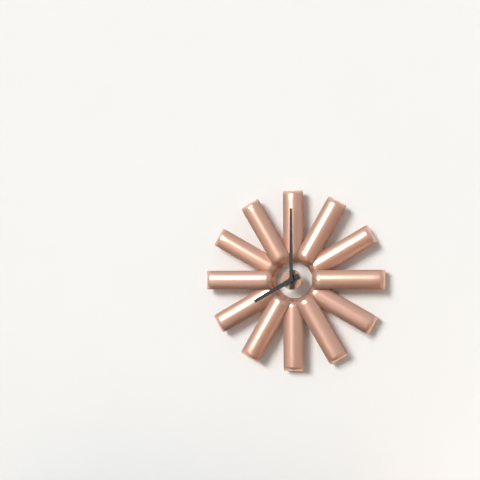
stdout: 8:00
